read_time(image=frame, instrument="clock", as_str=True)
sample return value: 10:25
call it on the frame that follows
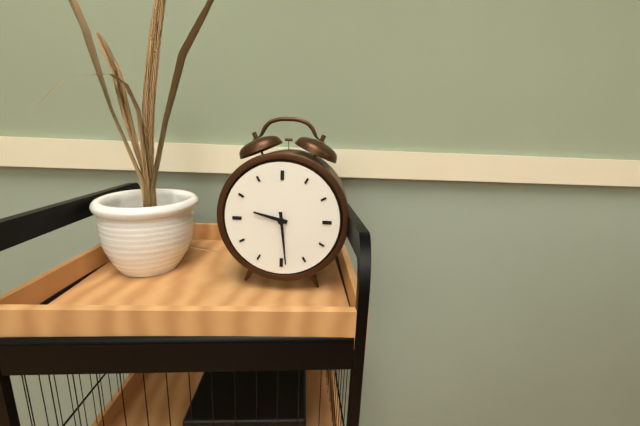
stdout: 9:29
